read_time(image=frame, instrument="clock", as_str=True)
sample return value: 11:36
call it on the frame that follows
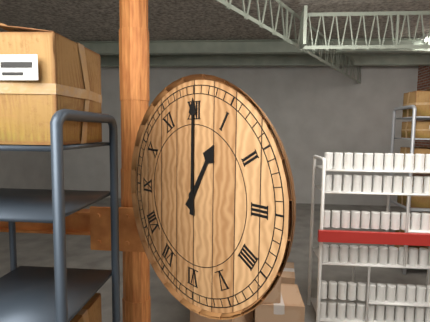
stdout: 1:00
